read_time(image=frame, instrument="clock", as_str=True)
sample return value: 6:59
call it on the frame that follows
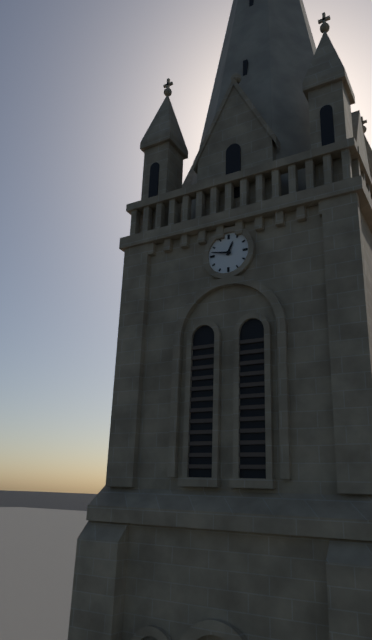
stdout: 12:47
